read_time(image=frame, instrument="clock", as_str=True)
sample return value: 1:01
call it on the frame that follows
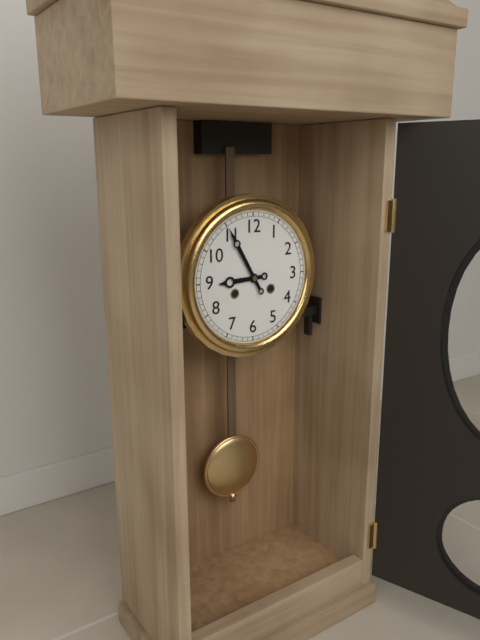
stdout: 8:55
